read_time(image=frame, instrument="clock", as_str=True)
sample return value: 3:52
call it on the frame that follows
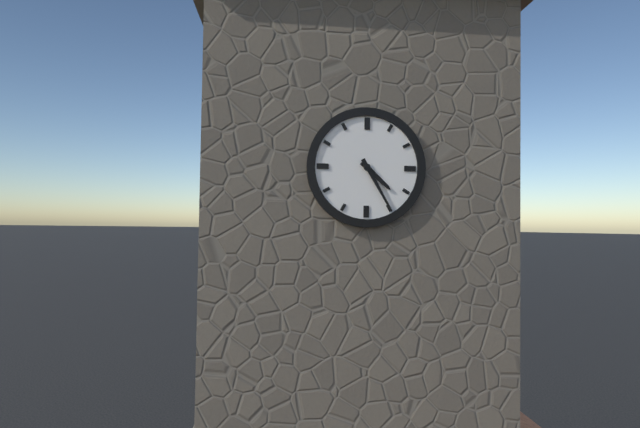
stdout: 4:25
